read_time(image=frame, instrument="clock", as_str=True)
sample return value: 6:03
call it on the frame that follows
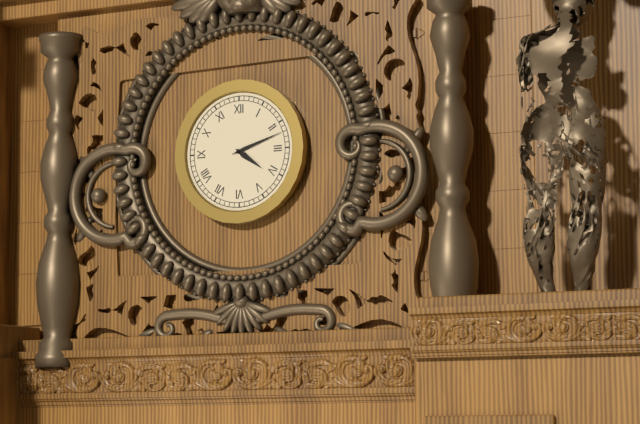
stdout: 4:12
